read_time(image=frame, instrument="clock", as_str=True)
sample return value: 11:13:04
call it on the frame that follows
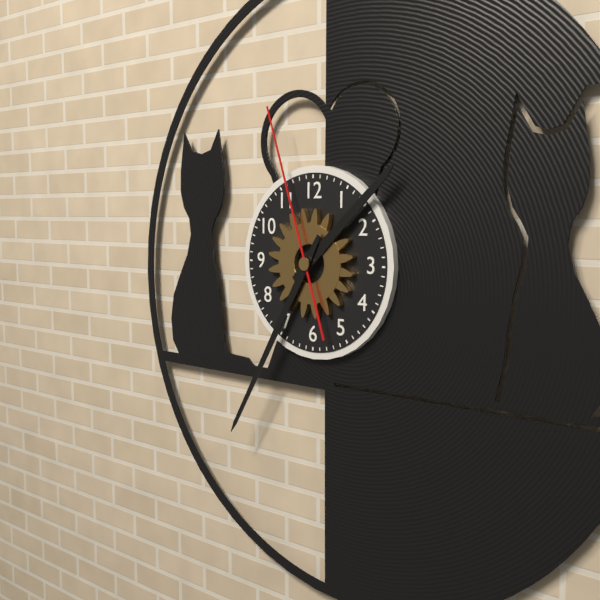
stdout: 1:35:57
